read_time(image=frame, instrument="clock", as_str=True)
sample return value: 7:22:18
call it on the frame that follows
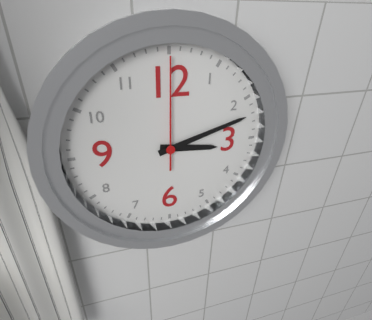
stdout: 3:12:00
